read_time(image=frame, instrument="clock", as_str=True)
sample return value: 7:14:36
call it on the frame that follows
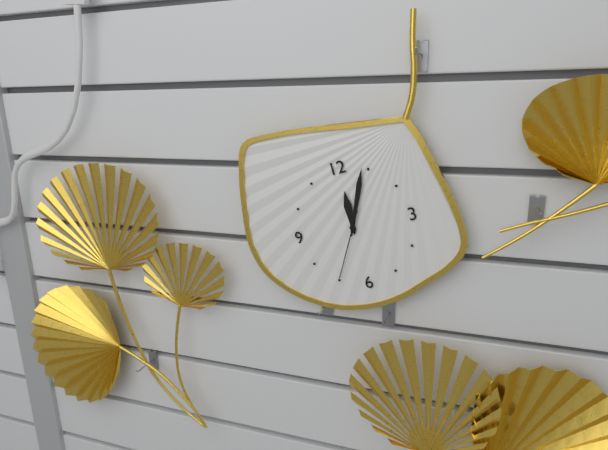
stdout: 12:04:35
